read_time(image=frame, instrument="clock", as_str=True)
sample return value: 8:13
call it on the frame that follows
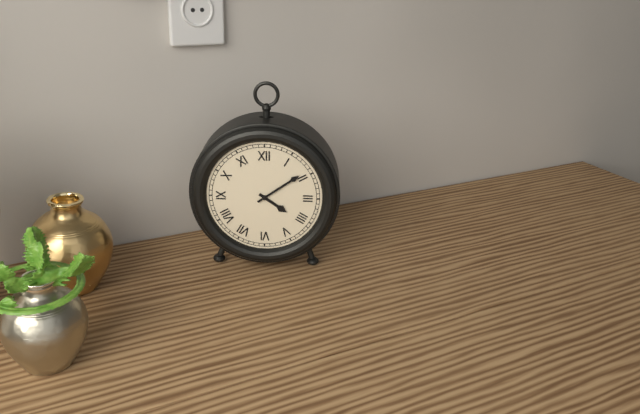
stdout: 4:09
